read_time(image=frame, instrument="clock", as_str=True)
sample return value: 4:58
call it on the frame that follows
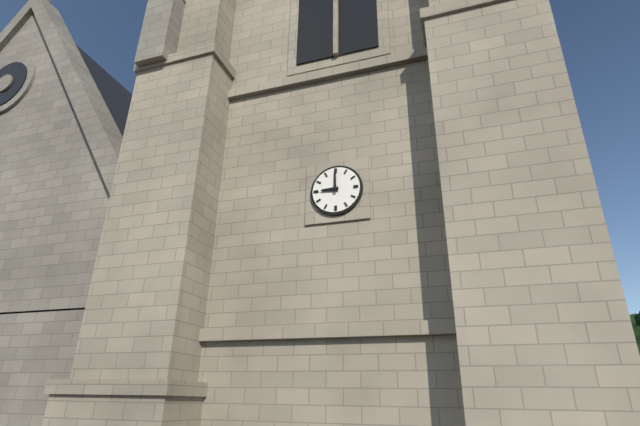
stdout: 9:00
